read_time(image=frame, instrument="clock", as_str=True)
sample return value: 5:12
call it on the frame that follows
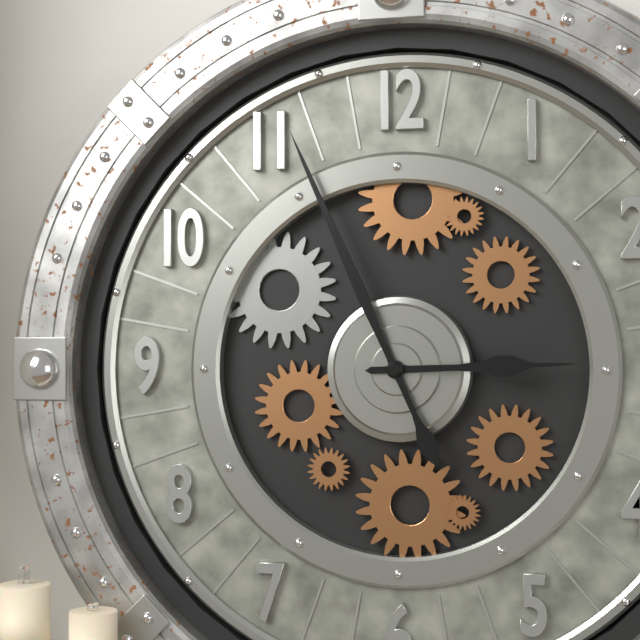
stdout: 2:56
